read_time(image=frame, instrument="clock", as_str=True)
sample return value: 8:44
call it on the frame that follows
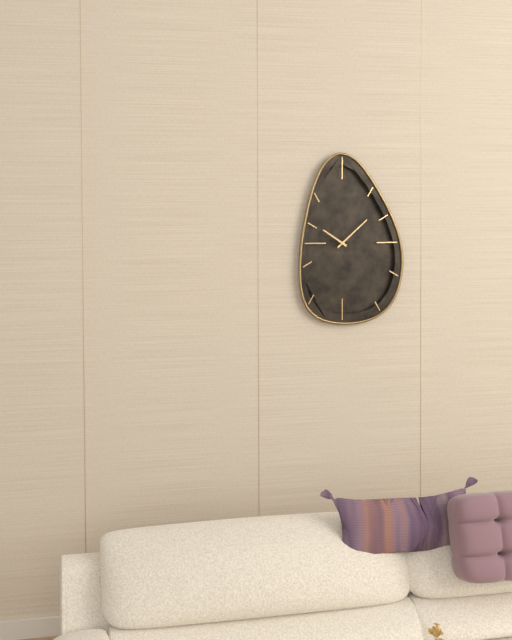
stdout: 10:08
